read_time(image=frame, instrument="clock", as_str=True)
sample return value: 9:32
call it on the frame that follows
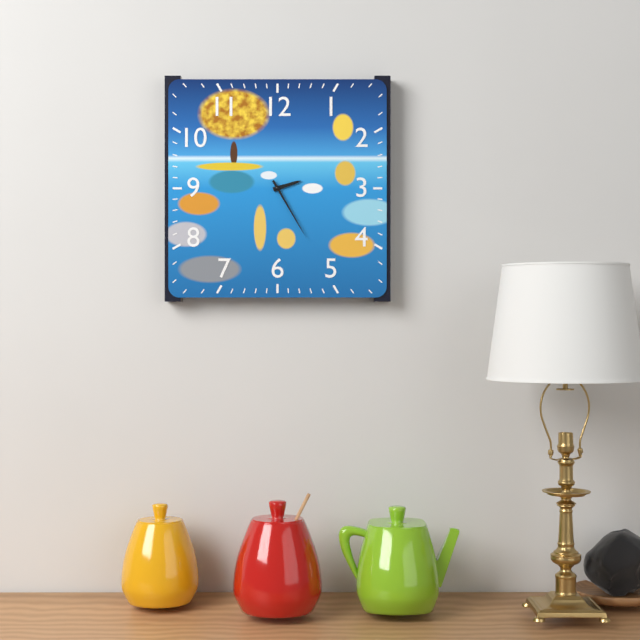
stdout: 2:25
